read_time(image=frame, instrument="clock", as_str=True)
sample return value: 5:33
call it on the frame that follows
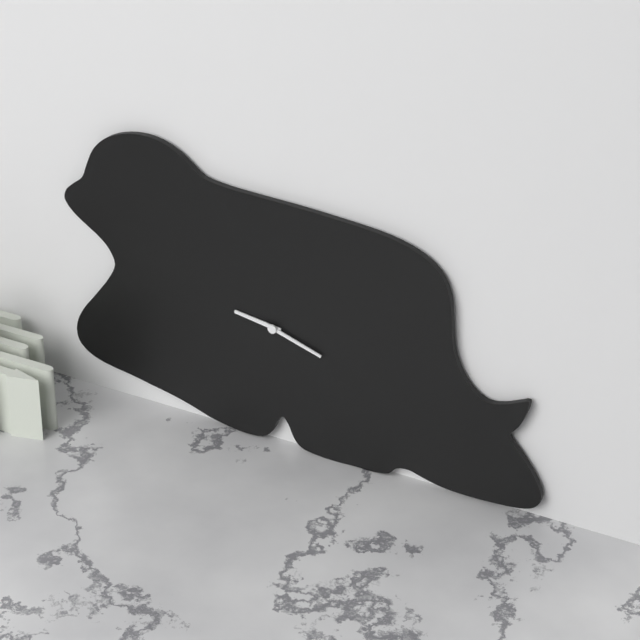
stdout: 9:18
